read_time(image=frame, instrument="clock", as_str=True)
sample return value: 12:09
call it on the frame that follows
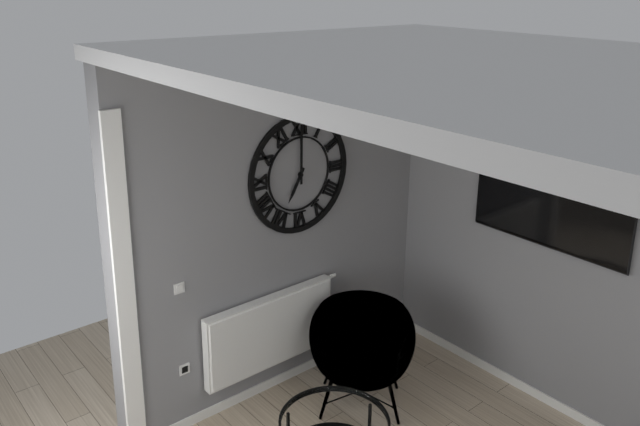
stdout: 7:00
